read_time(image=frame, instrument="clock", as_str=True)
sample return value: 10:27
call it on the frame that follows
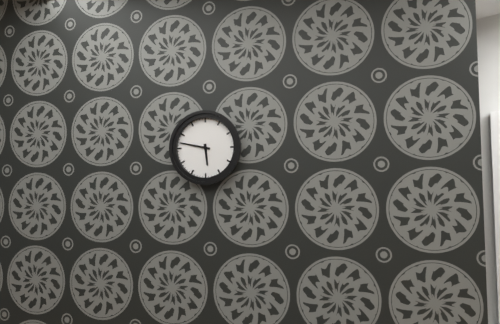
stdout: 5:47
